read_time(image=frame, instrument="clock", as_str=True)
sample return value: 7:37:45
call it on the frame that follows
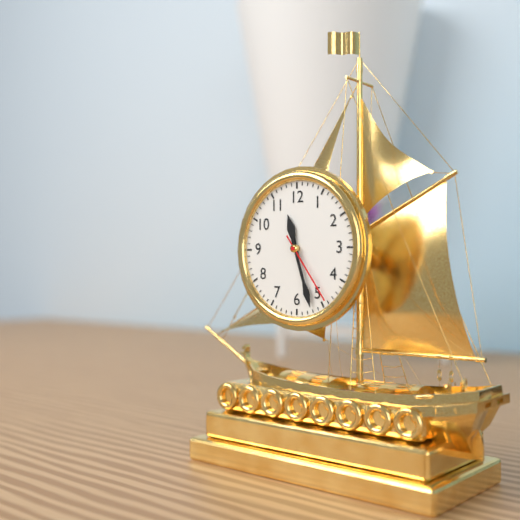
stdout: 11:27:24
